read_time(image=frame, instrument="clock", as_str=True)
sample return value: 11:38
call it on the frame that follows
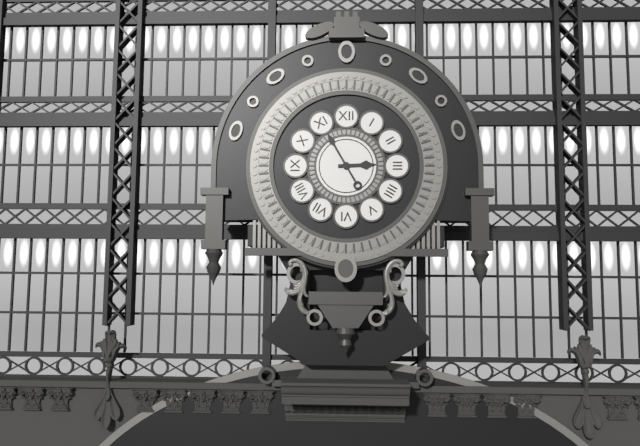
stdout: 2:55
